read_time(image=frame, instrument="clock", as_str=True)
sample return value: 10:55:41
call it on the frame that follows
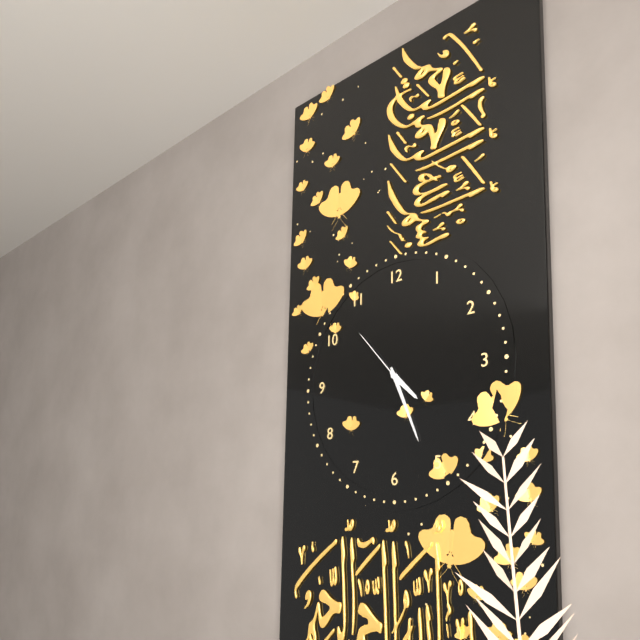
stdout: 4:26:53
